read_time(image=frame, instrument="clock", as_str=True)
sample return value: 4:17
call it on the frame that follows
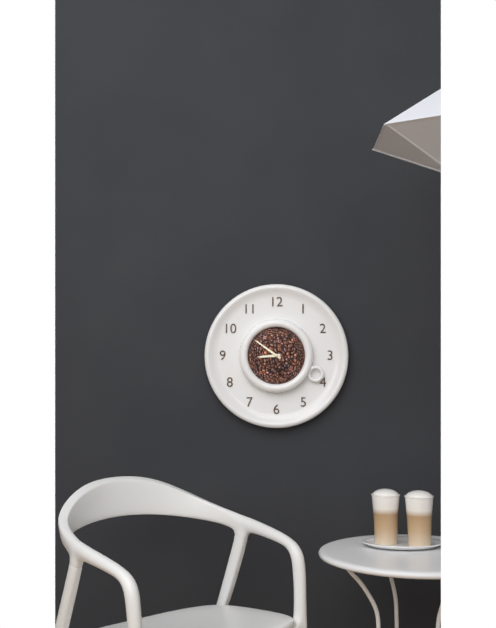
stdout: 8:51
